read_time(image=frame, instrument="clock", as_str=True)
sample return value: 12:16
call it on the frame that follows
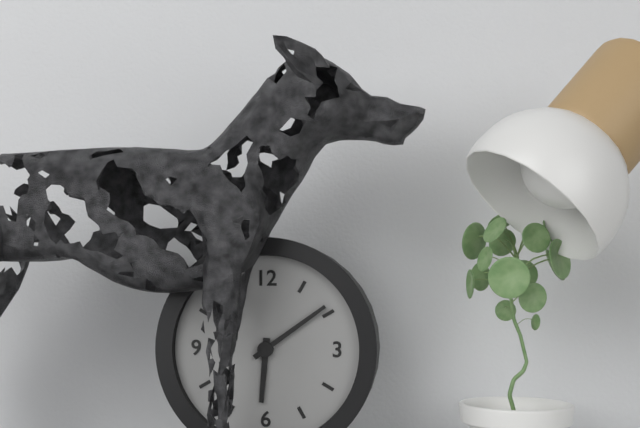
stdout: 6:09
